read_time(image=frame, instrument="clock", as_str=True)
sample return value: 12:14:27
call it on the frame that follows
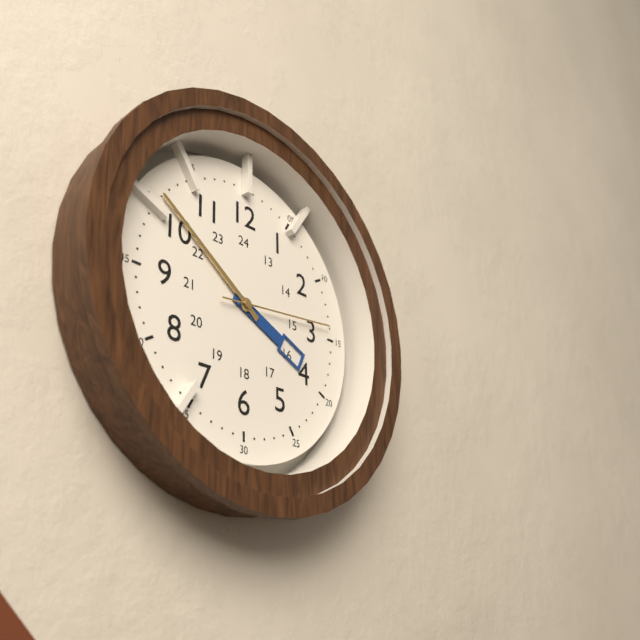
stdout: 3:51:14
